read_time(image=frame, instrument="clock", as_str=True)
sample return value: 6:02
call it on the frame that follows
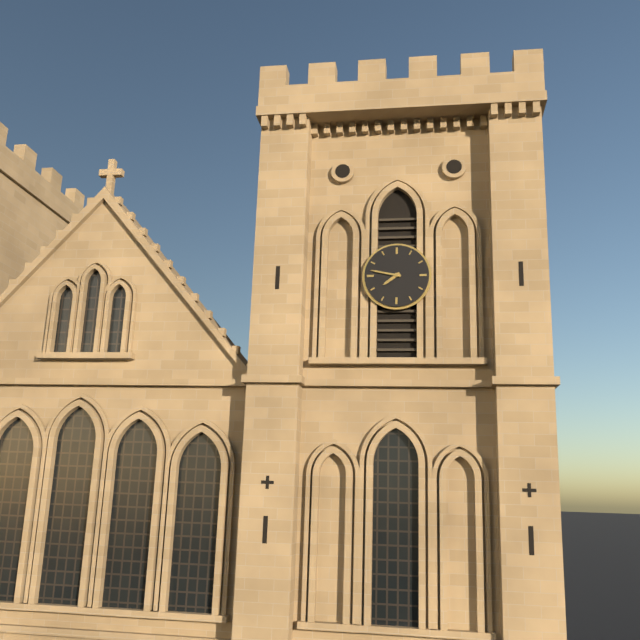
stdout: 7:47
